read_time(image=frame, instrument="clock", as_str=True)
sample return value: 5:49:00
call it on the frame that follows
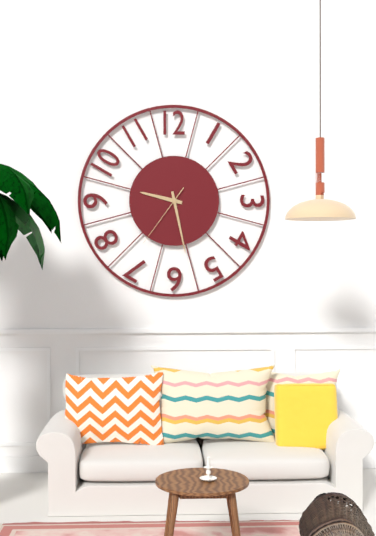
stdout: 9:28:36
